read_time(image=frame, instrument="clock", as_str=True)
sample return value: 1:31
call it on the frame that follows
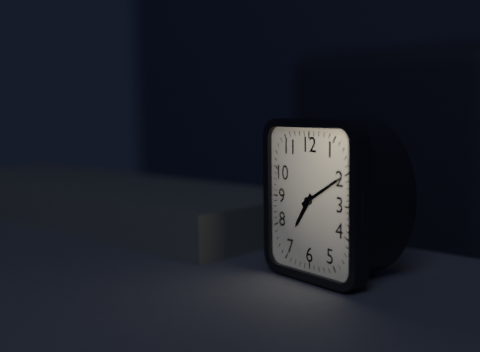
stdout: 7:10
